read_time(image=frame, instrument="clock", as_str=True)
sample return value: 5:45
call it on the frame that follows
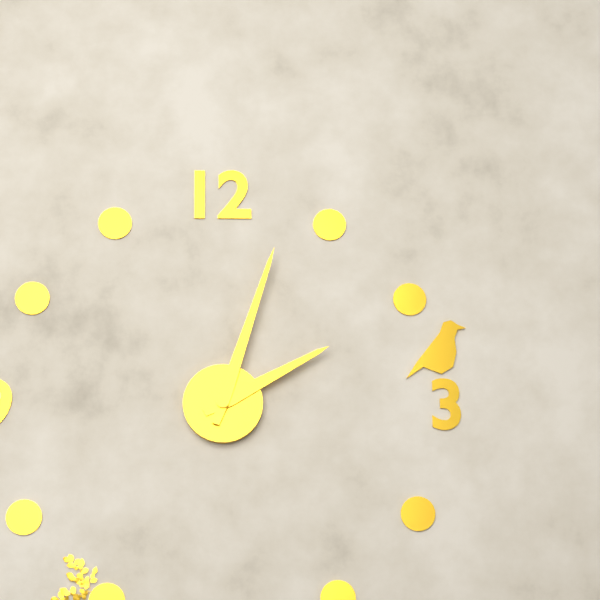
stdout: 2:03
